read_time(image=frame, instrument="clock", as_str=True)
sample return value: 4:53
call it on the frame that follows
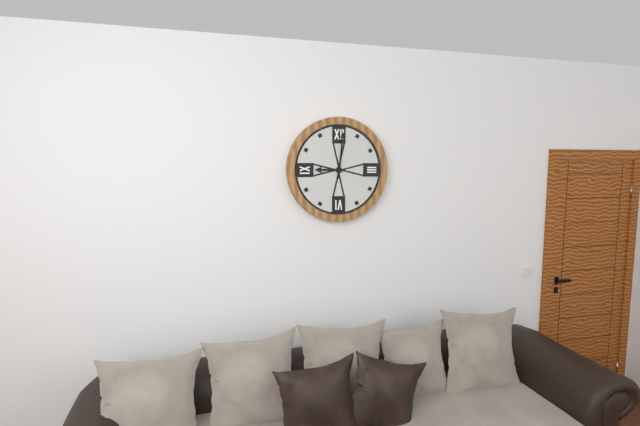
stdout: 9:01
